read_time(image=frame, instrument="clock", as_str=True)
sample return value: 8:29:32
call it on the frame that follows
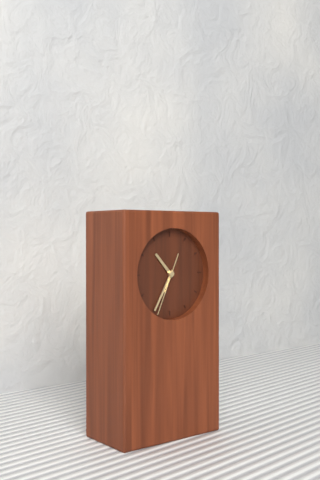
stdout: 10:35:34
